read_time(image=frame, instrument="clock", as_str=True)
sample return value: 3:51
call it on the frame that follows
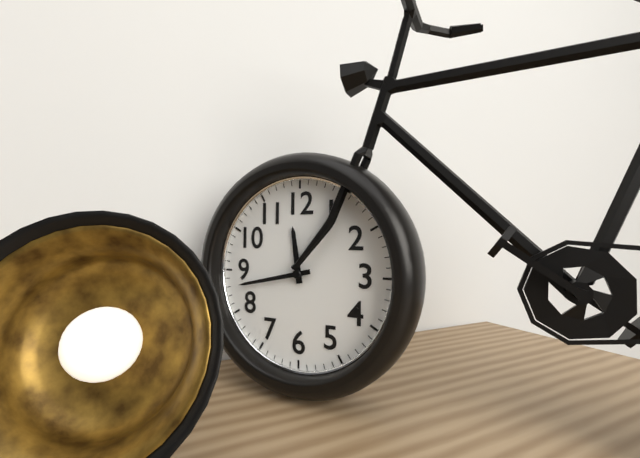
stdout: 11:43
